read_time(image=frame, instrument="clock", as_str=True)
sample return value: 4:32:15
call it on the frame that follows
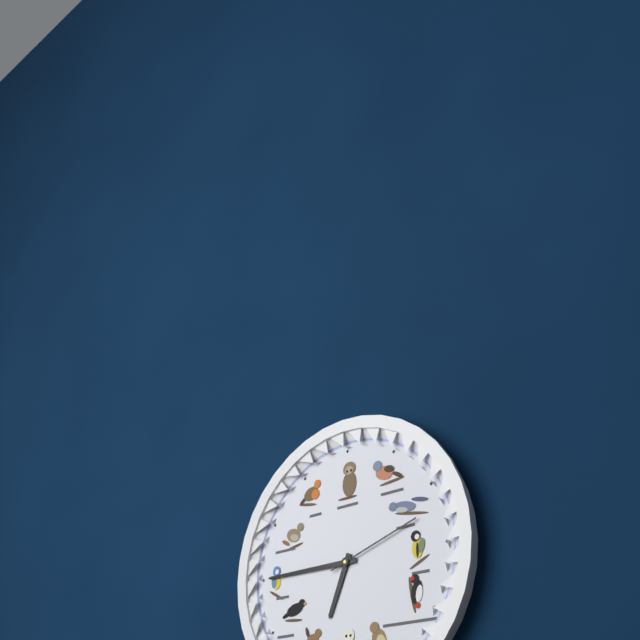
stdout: 6:45:12
